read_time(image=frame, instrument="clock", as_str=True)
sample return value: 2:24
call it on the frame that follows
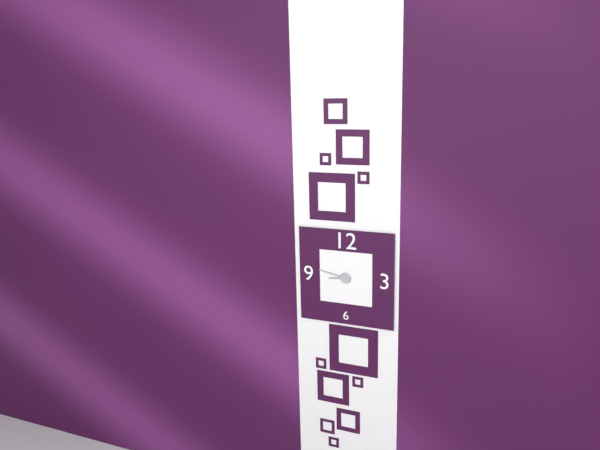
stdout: 8:47
